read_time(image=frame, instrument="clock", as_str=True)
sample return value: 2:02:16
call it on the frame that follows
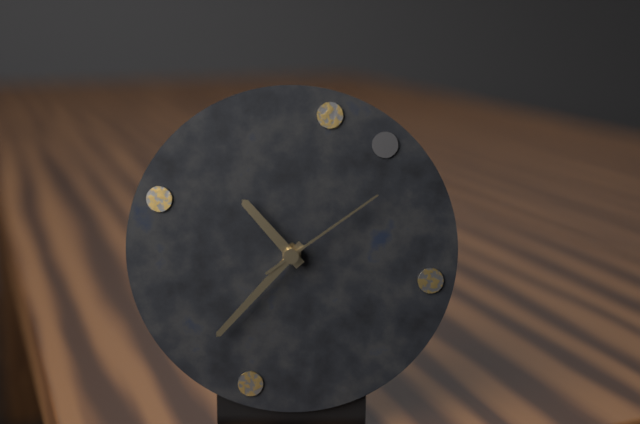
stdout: 10:37:09
